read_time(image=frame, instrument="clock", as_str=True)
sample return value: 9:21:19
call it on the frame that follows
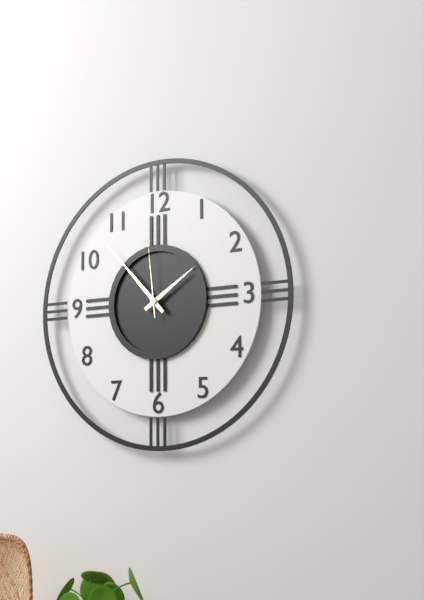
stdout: 1:53:59
